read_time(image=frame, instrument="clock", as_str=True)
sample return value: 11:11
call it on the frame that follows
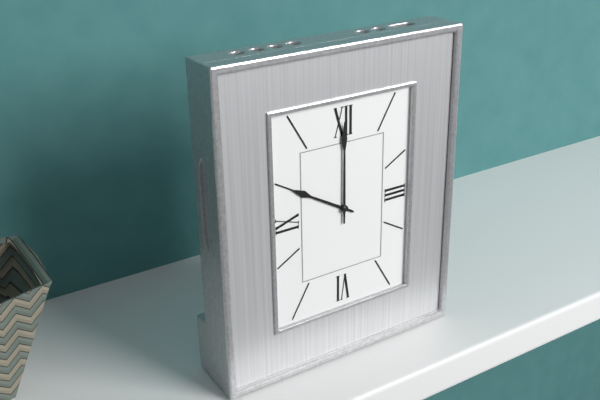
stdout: 10:00
